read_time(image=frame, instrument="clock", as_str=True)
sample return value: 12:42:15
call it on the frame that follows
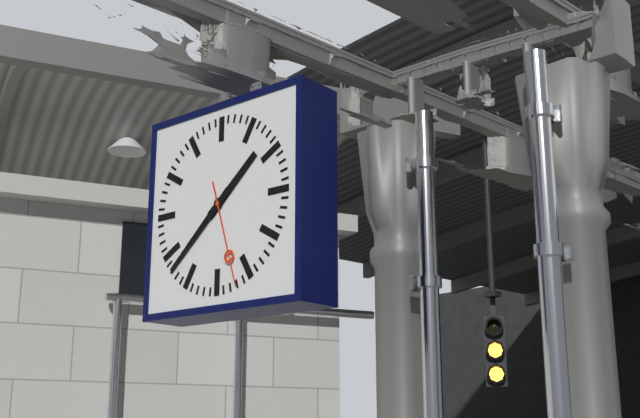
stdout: 1:38:27
